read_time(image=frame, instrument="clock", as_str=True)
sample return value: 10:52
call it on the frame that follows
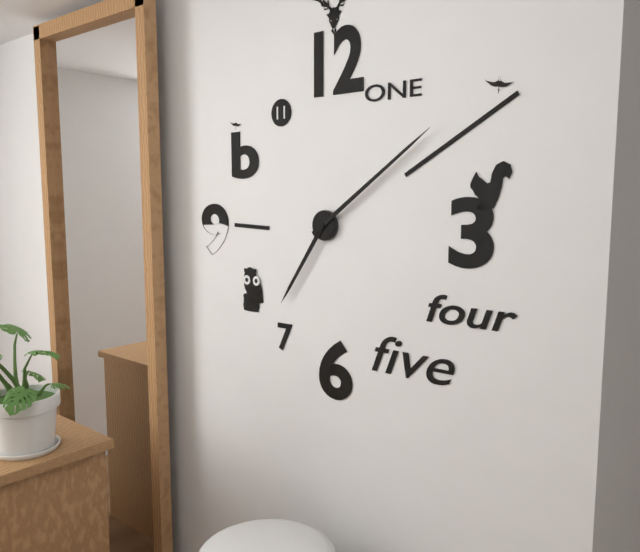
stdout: 7:09
